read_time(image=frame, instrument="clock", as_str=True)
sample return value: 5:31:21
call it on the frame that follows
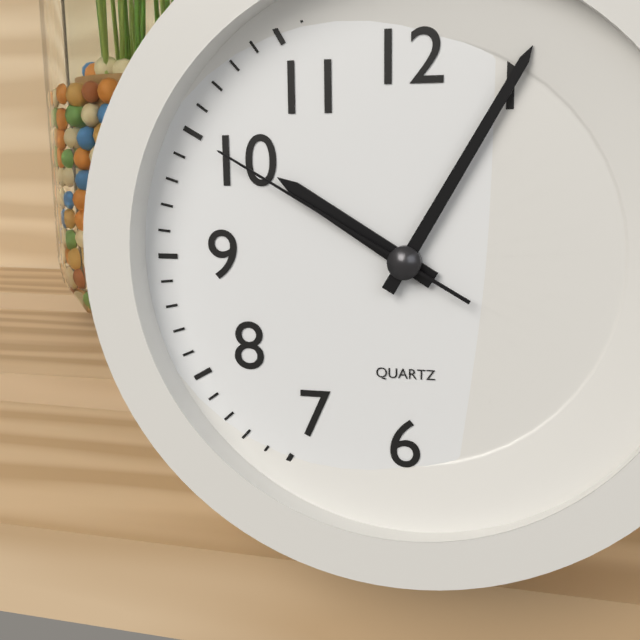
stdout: 10:05:50
